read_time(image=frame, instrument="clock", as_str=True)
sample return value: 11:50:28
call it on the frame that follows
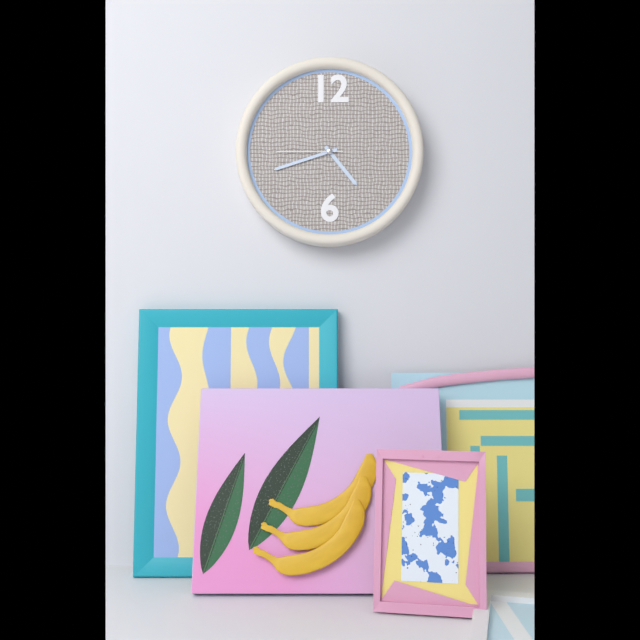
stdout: 4:42:45
